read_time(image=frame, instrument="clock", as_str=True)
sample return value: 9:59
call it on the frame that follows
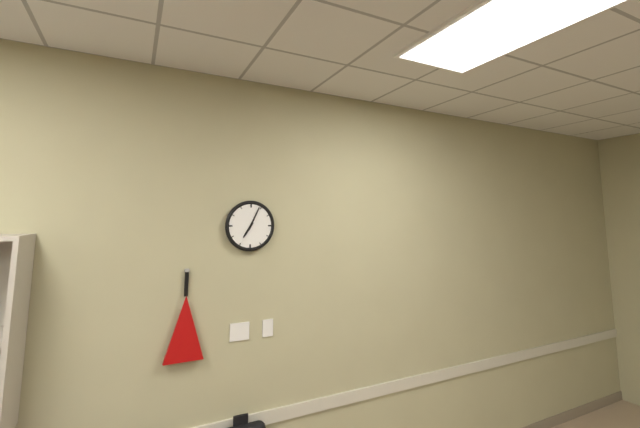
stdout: 7:04
